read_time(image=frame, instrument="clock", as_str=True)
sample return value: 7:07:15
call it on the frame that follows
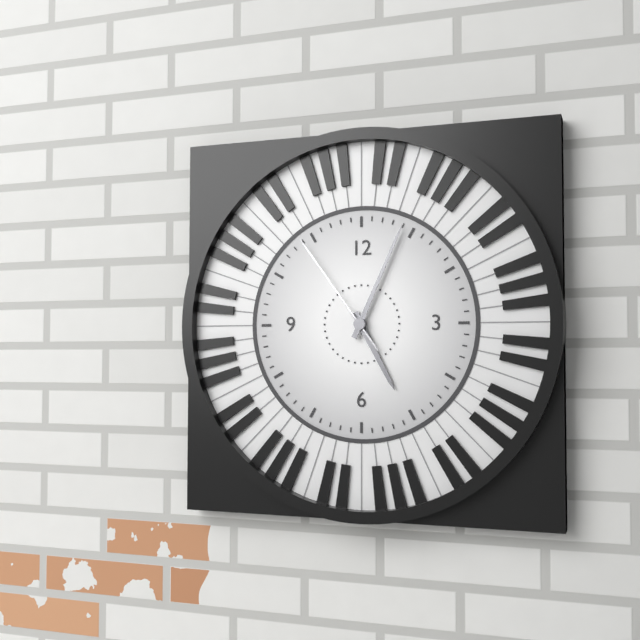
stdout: 5:04:54
